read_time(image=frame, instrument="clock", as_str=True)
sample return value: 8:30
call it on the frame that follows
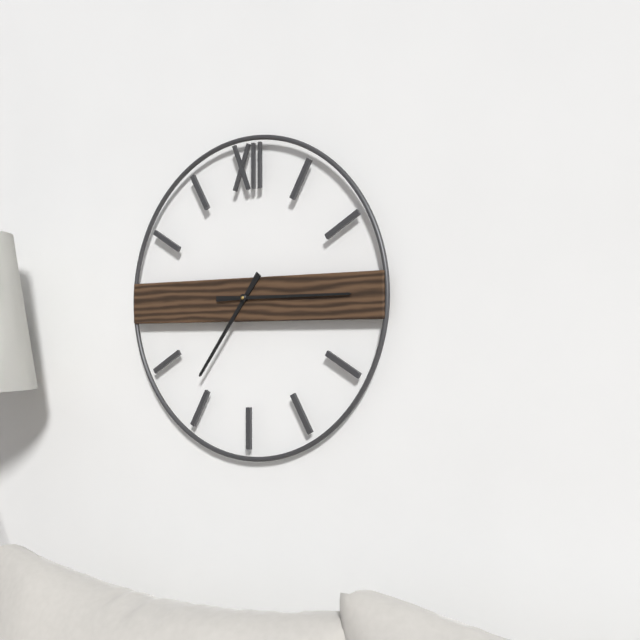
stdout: 7:15
